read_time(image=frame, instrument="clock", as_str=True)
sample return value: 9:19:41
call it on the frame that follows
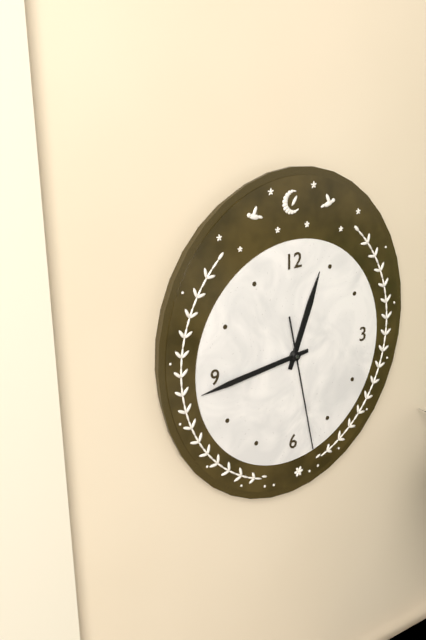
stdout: 12:44:28
